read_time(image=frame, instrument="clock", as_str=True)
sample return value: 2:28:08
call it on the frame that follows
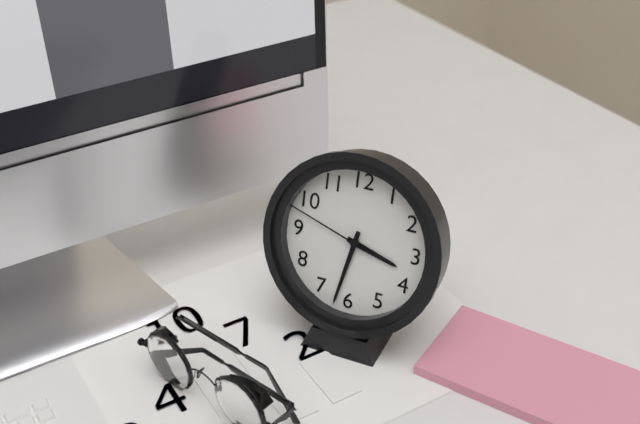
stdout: 3:32:48
